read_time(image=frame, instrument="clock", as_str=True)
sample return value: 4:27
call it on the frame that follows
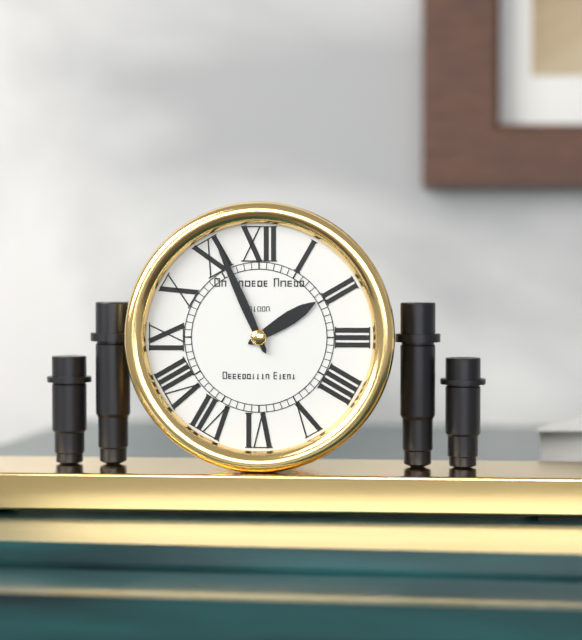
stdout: 1:56
